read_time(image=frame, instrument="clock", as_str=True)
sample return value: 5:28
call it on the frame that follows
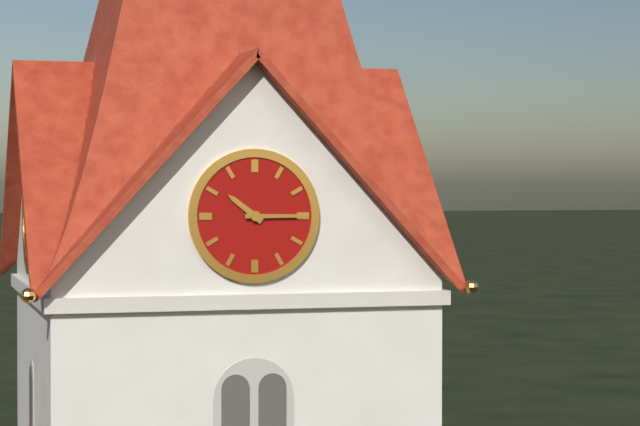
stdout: 10:15
